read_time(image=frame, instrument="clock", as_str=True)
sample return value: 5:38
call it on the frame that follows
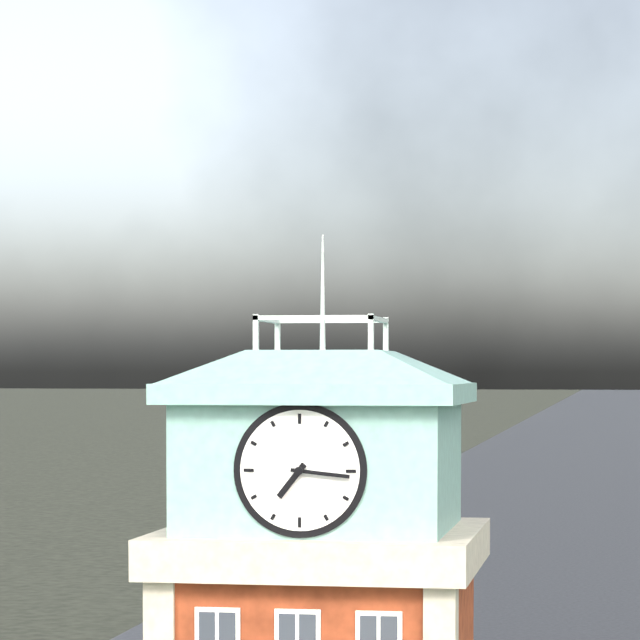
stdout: 7:16
